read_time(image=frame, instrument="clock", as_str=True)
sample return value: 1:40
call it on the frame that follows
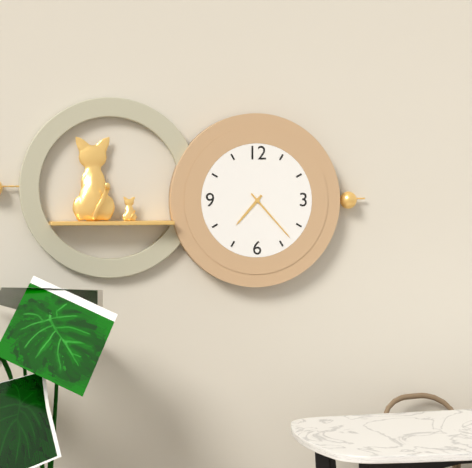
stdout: 7:23
